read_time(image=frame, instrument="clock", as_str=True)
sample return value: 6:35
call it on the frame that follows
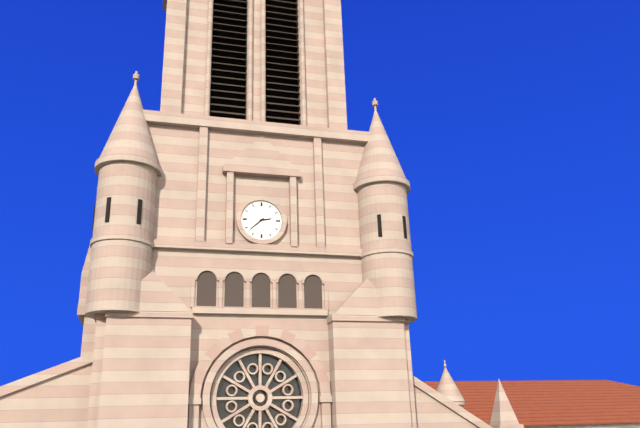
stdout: 2:38
